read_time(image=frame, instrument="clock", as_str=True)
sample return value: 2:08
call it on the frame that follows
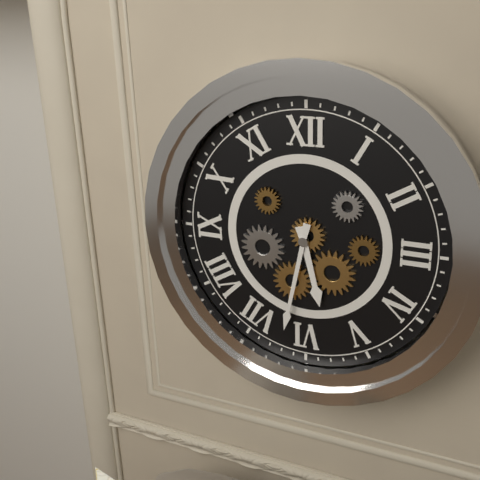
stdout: 5:32
